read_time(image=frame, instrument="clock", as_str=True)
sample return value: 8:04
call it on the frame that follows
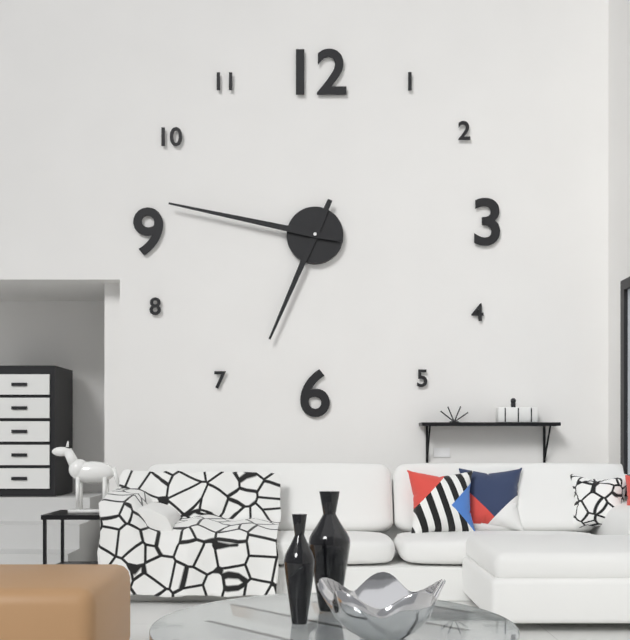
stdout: 6:47
